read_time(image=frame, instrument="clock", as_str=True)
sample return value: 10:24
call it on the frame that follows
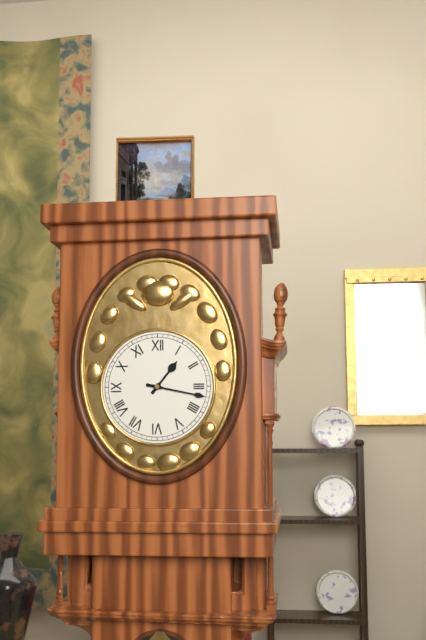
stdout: 1:17
